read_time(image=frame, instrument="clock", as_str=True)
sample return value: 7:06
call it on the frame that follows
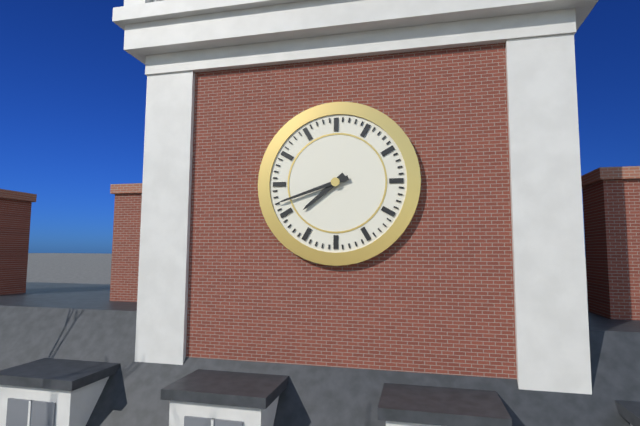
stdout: 7:42
